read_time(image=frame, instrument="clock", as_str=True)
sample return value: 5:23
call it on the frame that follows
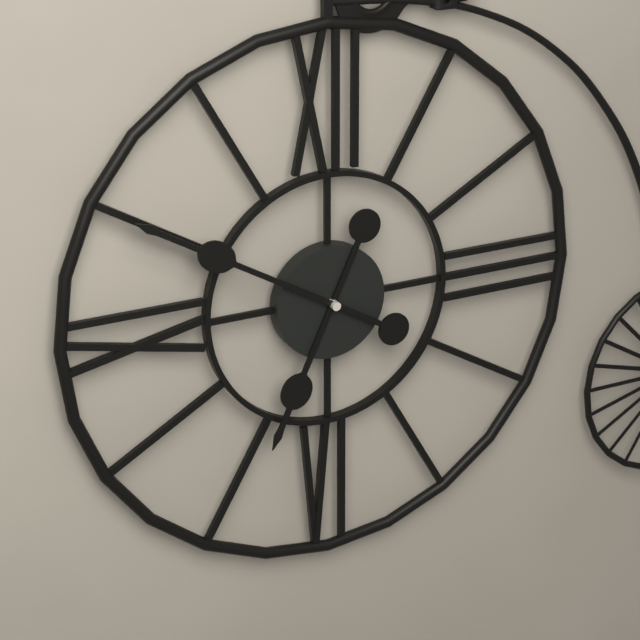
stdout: 6:50
